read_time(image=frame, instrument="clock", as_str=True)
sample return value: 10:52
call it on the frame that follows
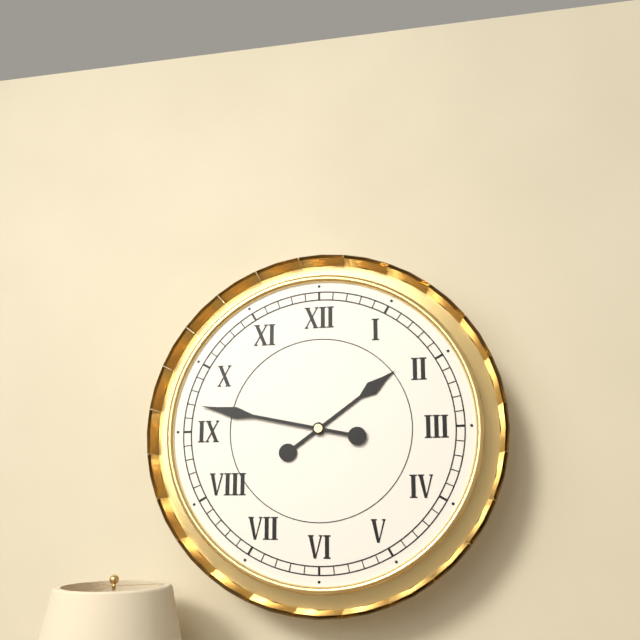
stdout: 1:47
